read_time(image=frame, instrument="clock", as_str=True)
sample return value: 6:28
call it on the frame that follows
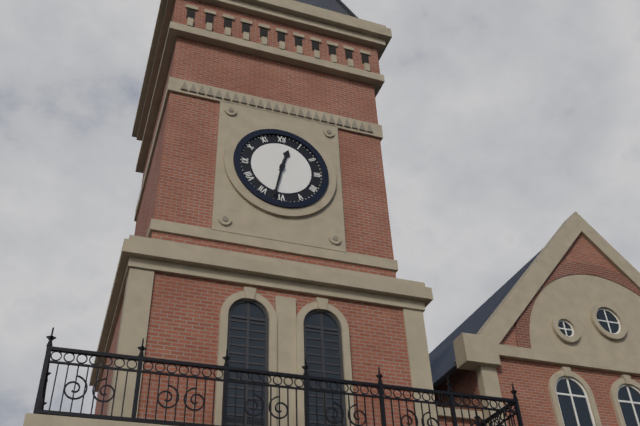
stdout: 12:32
